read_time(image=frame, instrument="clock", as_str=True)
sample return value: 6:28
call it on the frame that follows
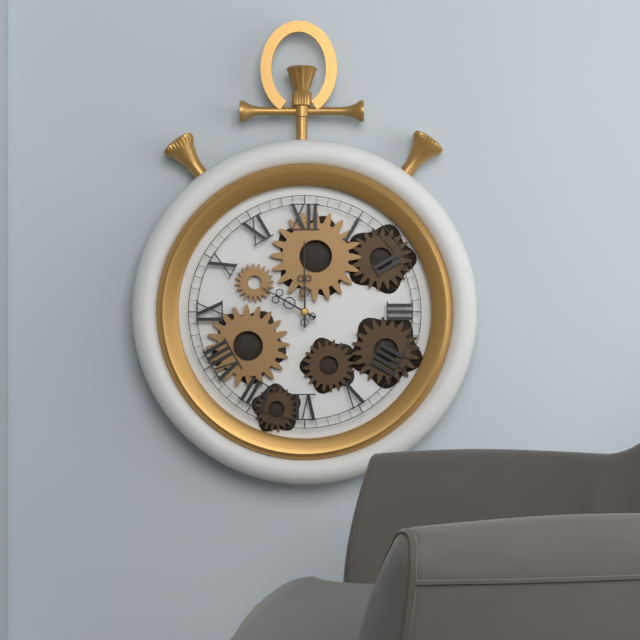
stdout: 10:00
